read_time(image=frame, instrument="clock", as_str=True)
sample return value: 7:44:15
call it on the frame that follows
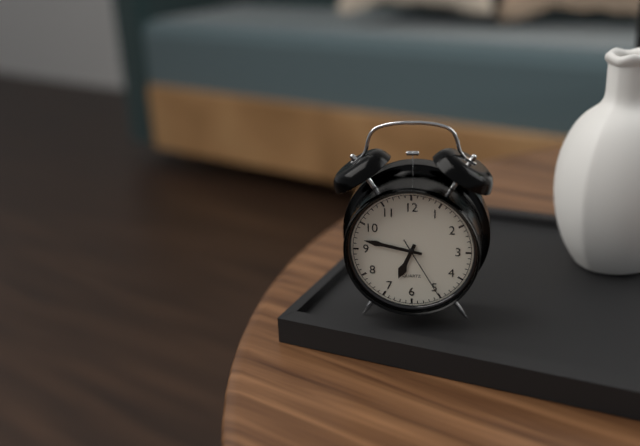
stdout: 6:47:25
